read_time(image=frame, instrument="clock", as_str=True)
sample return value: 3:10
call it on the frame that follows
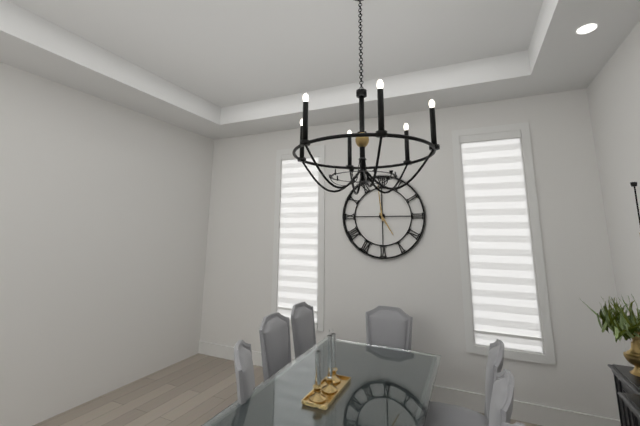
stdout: 4:59
